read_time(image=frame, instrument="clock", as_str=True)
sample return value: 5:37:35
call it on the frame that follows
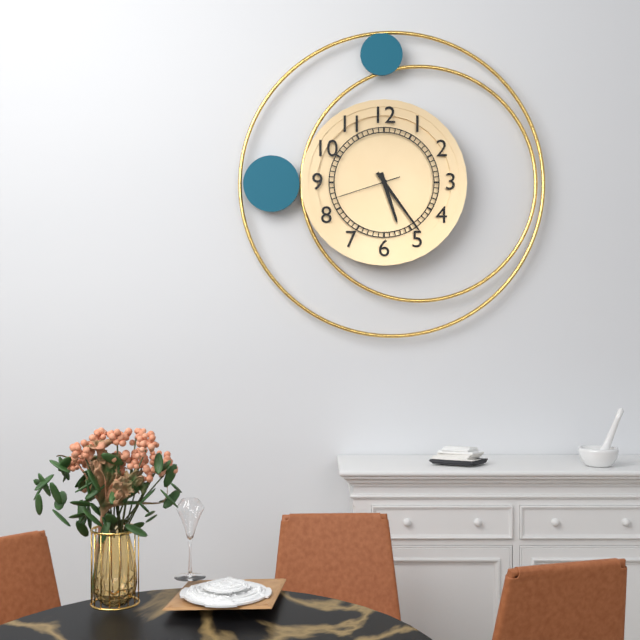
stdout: 5:24:42
